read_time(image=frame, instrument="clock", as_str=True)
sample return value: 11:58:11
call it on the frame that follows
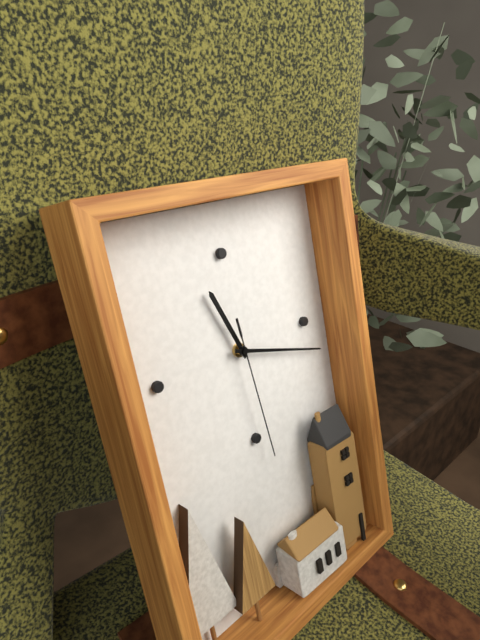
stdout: 11:18:29
